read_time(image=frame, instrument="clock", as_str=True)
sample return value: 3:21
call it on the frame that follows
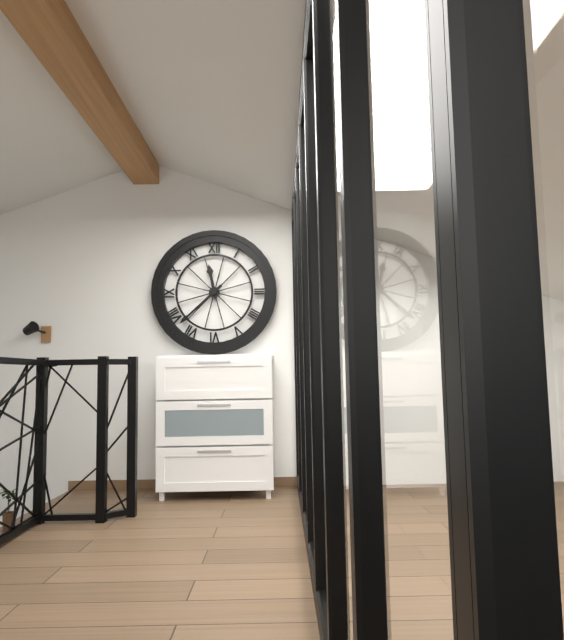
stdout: 11:38
